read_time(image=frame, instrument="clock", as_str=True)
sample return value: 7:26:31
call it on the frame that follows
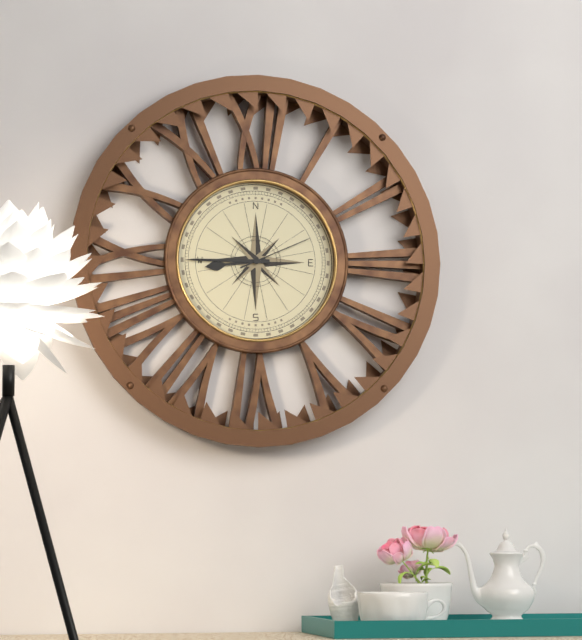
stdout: 8:45:11
